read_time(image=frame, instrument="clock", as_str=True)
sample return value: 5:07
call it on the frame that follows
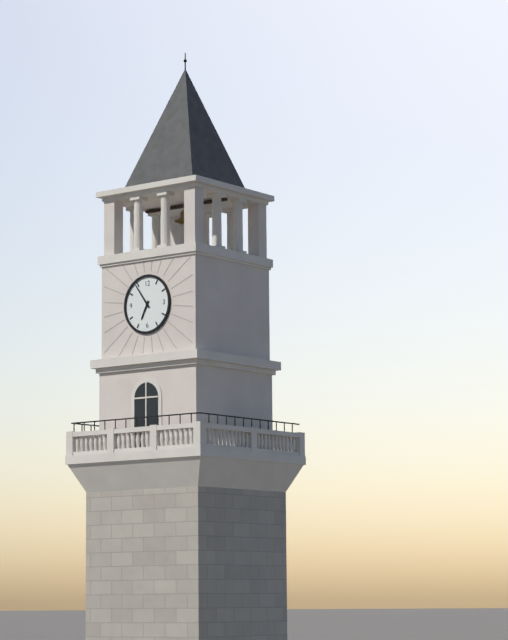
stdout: 6:54
